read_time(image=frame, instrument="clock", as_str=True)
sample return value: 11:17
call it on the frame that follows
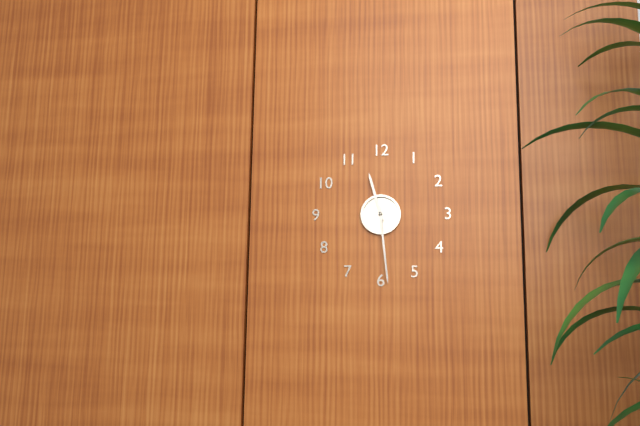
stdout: 11:29
